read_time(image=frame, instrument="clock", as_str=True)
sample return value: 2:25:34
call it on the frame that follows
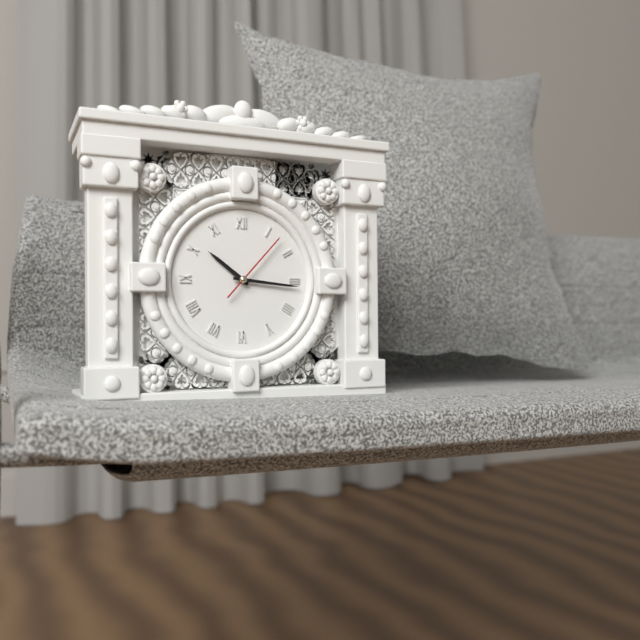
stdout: 10:16:07
